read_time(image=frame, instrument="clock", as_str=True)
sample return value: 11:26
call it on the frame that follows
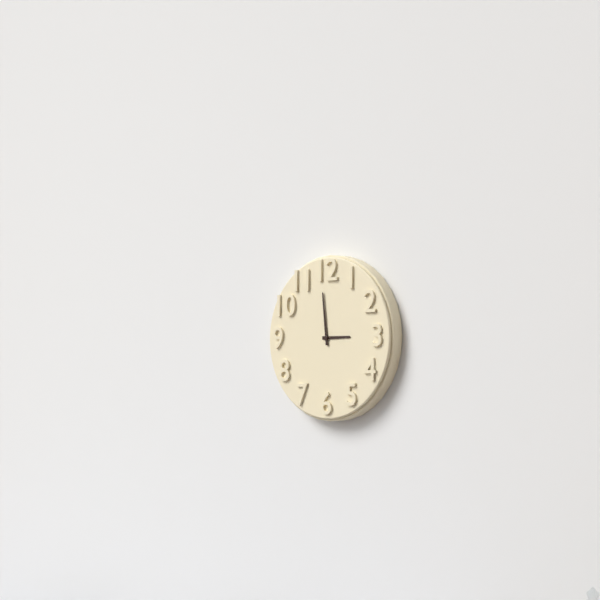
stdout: 2:59
